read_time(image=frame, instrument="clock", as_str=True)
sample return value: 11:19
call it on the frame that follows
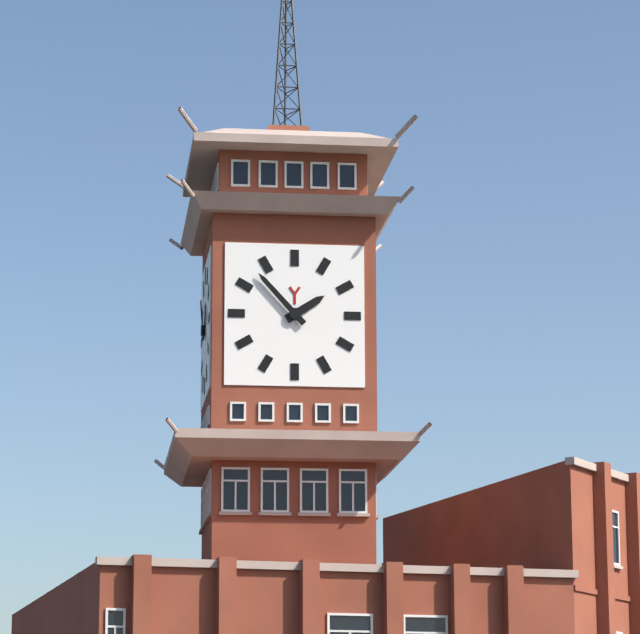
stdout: 1:53
